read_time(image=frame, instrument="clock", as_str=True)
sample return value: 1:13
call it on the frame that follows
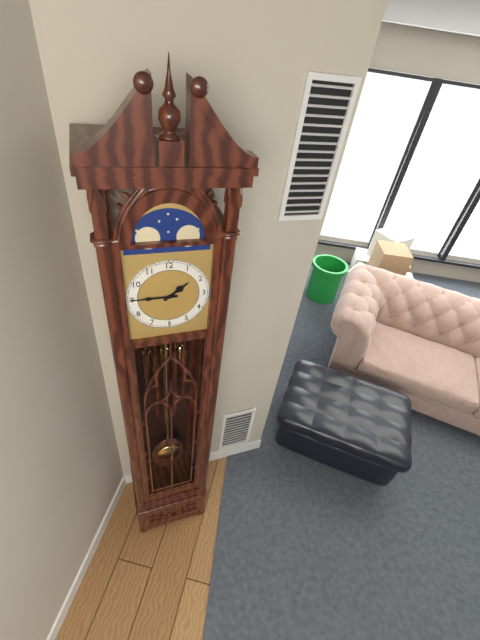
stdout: 1:45
